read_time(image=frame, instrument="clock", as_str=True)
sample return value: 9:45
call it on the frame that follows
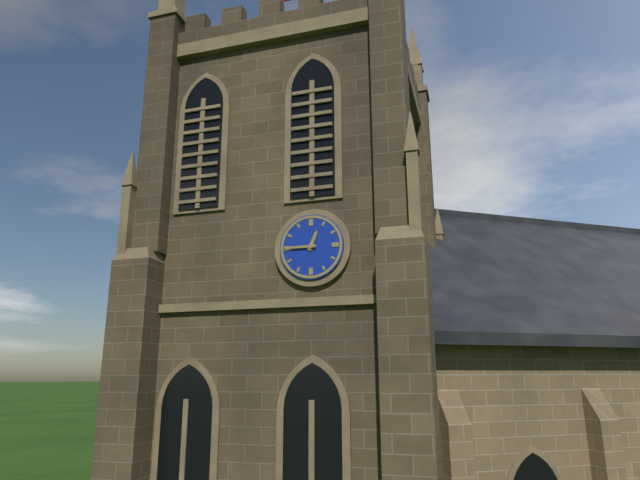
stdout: 12:45
